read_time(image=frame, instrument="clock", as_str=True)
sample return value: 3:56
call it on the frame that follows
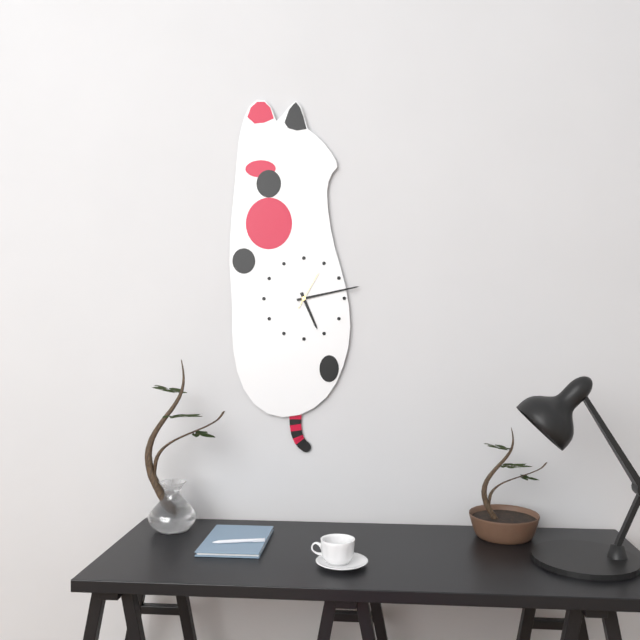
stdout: 5:13
